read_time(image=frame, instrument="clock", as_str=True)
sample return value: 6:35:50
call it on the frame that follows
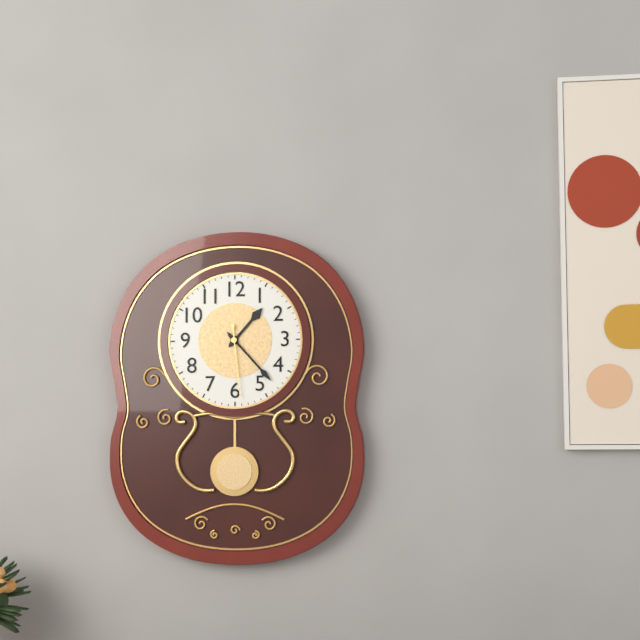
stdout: 1:23:29
